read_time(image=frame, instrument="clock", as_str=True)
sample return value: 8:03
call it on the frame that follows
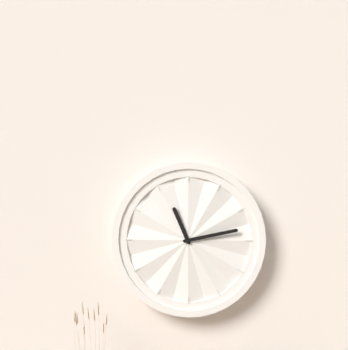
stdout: 11:13
